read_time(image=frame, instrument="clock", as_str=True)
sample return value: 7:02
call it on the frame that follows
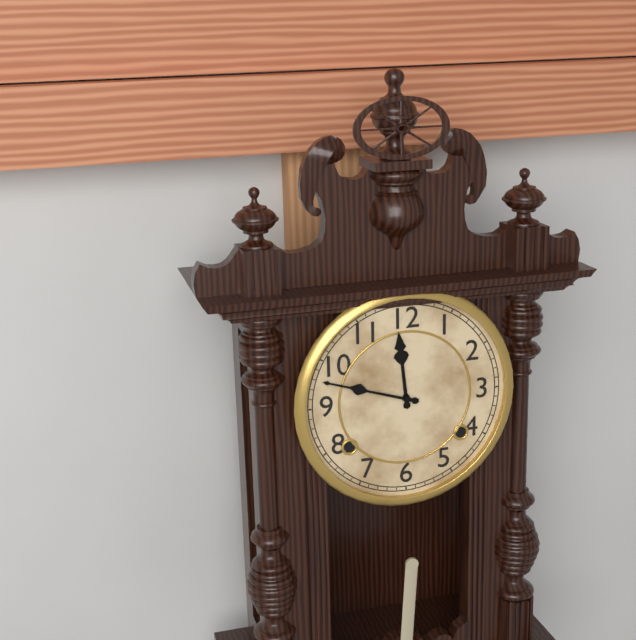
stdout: 11:48
